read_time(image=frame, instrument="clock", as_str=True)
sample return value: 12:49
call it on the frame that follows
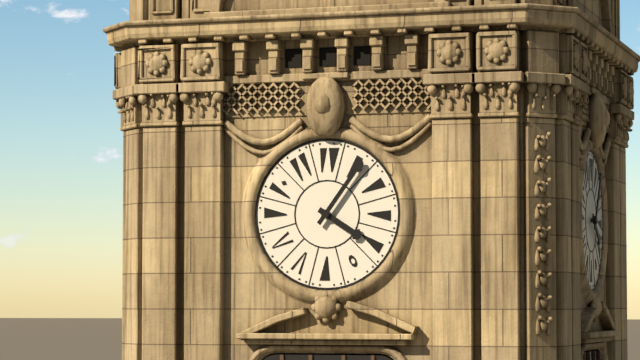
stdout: 4:06
